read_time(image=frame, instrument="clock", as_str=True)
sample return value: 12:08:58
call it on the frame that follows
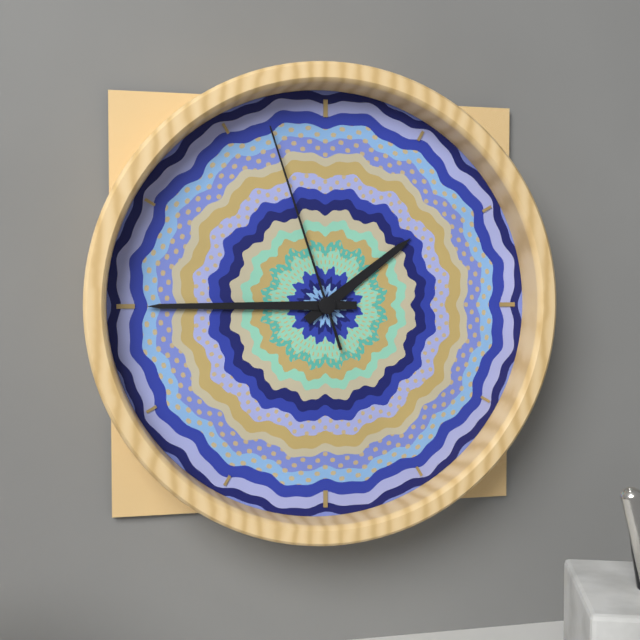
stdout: 1:45:57
